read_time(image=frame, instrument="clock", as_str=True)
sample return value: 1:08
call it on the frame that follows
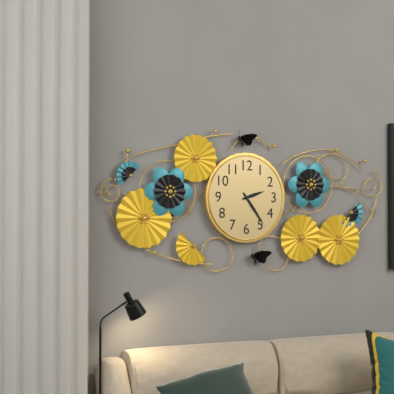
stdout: 2:24
